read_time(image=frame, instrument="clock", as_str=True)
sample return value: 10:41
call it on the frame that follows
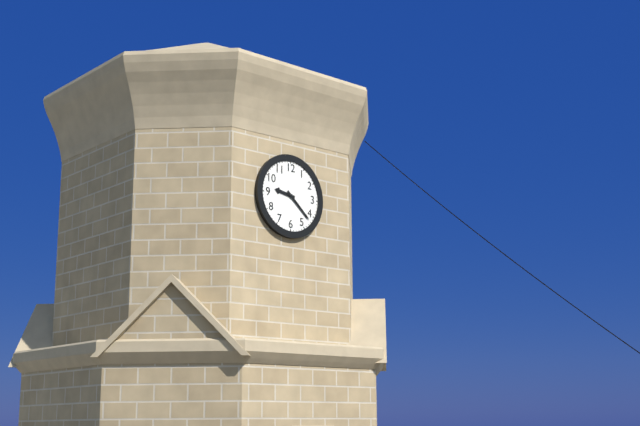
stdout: 9:22
